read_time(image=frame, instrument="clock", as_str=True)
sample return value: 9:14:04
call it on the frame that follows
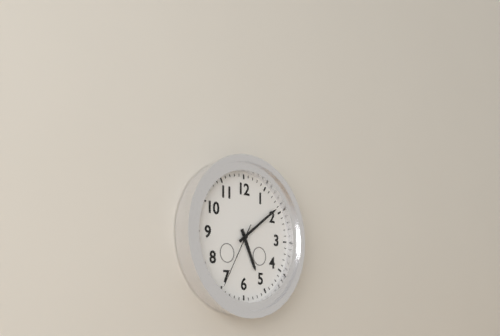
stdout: 5:09:35
